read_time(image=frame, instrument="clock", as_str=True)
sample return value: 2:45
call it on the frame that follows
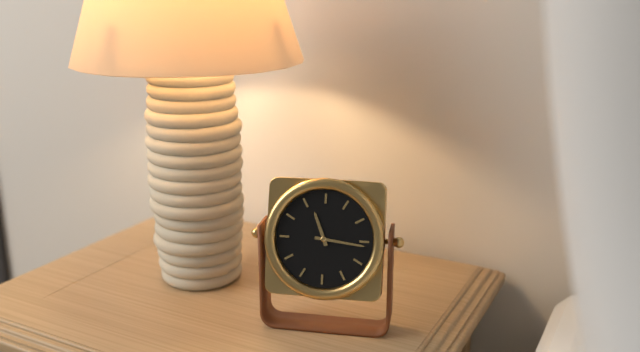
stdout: 11:16
